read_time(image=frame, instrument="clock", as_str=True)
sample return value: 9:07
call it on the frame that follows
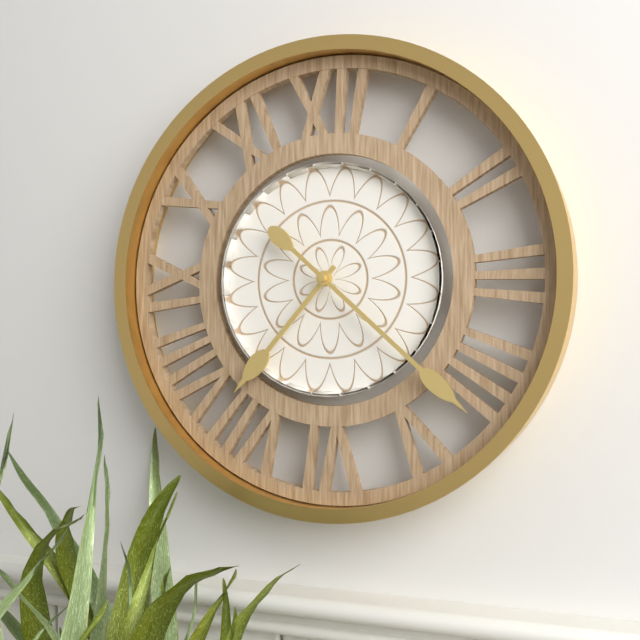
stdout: 7:22
